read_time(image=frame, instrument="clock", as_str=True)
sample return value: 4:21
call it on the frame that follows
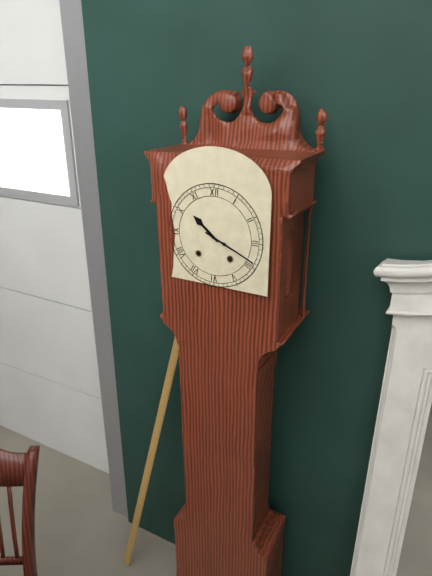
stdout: 10:19
